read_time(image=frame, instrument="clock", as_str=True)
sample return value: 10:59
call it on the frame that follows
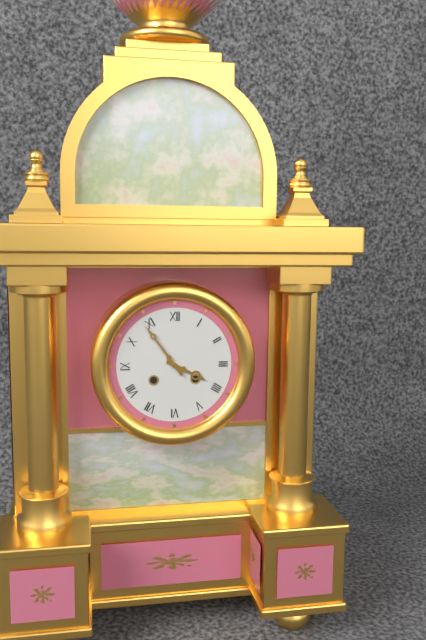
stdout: 3:54
